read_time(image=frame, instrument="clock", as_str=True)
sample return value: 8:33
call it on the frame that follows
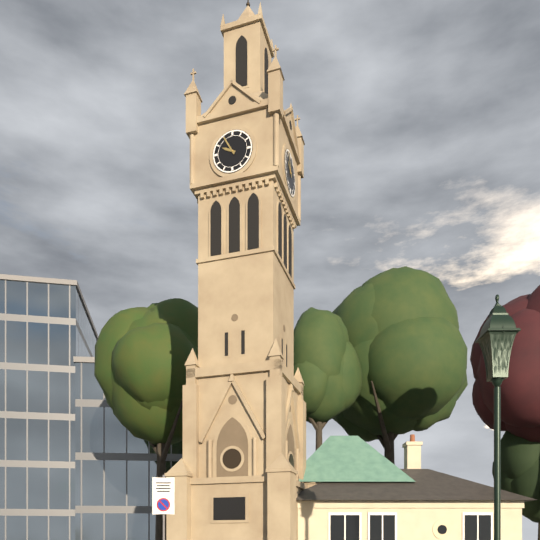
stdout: 9:55
